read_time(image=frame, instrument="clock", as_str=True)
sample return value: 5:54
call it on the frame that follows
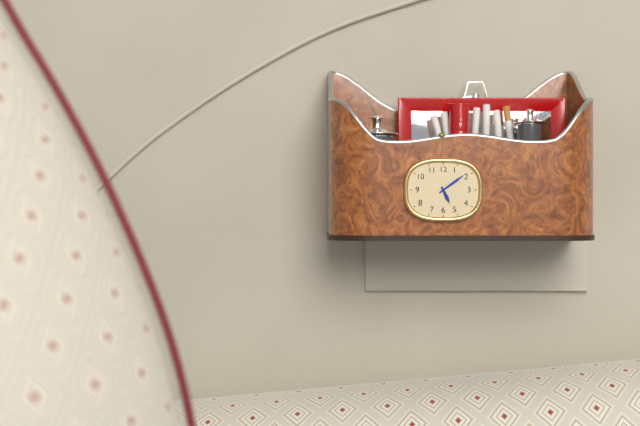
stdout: 5:09
